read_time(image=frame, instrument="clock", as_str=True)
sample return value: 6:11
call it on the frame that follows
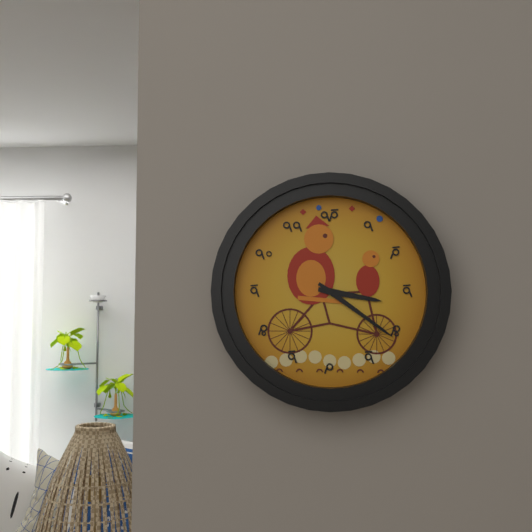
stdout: 3:21
